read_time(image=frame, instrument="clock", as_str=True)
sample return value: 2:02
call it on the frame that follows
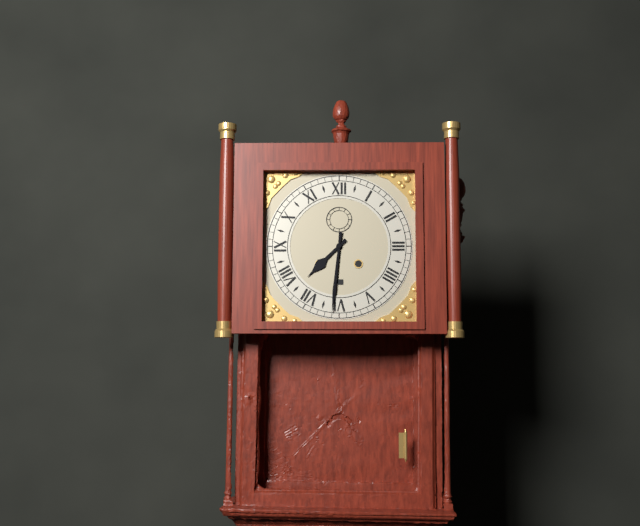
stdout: 7:31
